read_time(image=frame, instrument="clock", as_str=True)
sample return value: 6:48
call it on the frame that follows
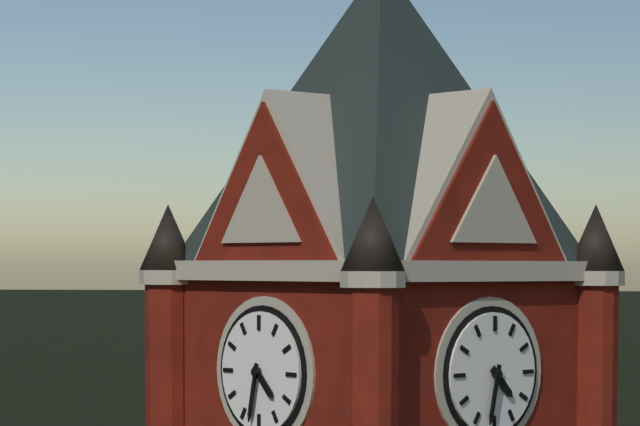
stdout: 4:32
